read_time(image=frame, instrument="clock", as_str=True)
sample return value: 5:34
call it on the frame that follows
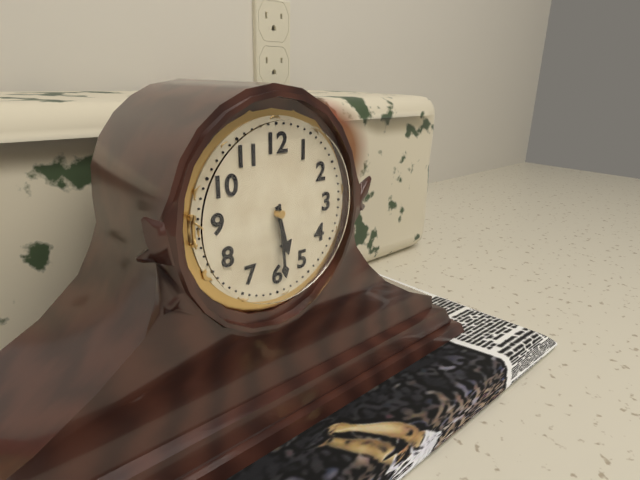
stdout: 5:29
